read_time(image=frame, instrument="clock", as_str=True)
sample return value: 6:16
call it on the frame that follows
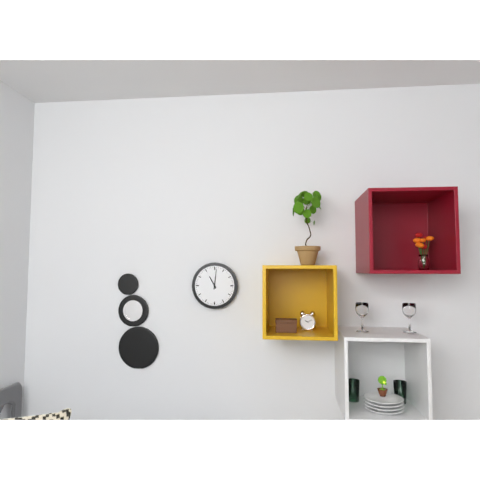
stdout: 11:01
